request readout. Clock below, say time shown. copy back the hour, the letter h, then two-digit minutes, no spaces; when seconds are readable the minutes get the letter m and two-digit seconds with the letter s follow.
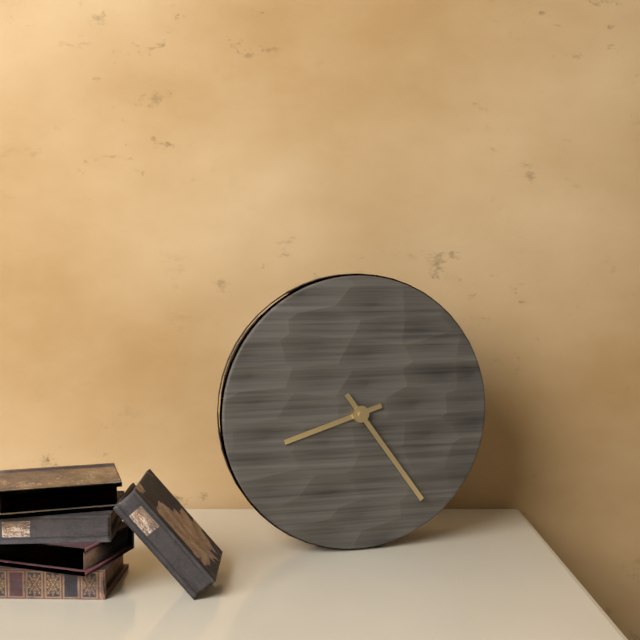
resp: 8h24
